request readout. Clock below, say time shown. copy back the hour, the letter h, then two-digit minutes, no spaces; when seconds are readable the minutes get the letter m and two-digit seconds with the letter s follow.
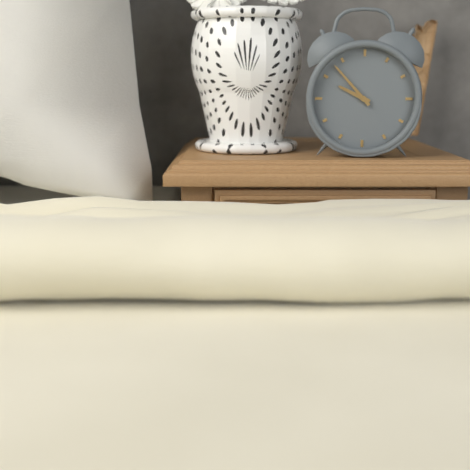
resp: 9h53
